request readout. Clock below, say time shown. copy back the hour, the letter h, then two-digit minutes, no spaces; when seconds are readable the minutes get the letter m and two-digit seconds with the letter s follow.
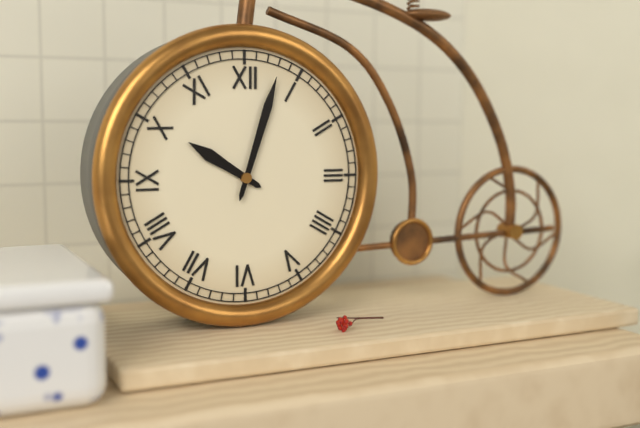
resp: 10h03
